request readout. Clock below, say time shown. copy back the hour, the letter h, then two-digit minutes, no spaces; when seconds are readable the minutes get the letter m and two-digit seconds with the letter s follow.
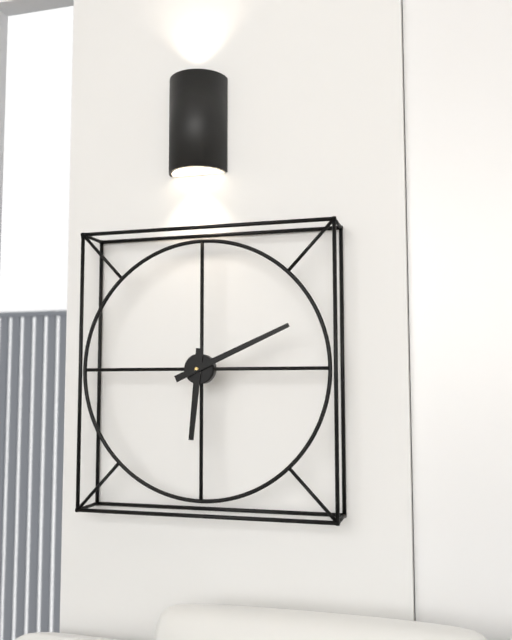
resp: 6h11
